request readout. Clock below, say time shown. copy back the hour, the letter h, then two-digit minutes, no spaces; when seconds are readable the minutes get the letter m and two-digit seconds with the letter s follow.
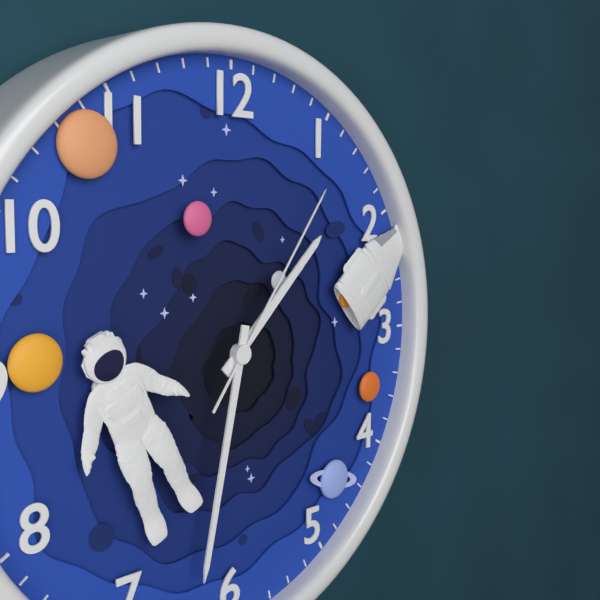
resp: 1h32m06s
